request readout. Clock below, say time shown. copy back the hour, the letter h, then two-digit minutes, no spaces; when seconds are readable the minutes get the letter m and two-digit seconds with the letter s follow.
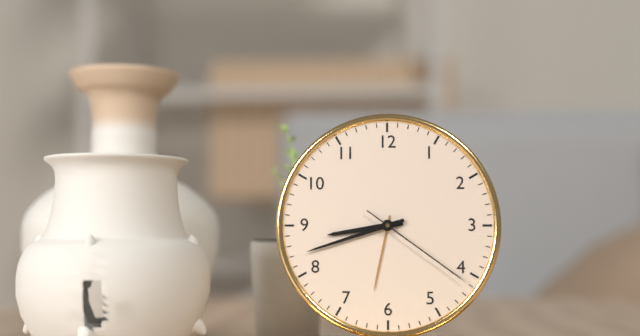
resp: 8h42m21s
